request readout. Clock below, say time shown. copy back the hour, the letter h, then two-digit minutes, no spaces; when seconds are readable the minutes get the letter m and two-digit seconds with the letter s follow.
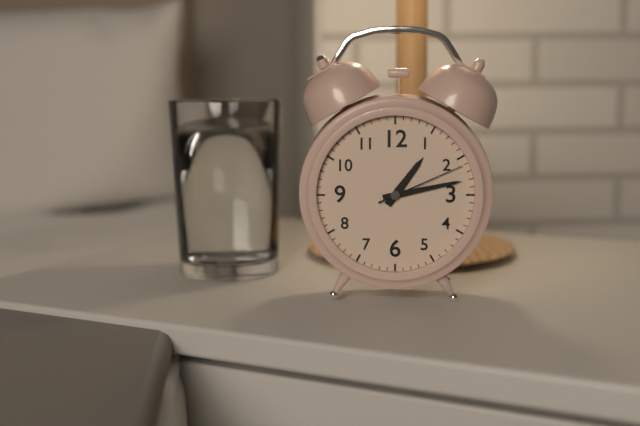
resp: 1h13m11s
